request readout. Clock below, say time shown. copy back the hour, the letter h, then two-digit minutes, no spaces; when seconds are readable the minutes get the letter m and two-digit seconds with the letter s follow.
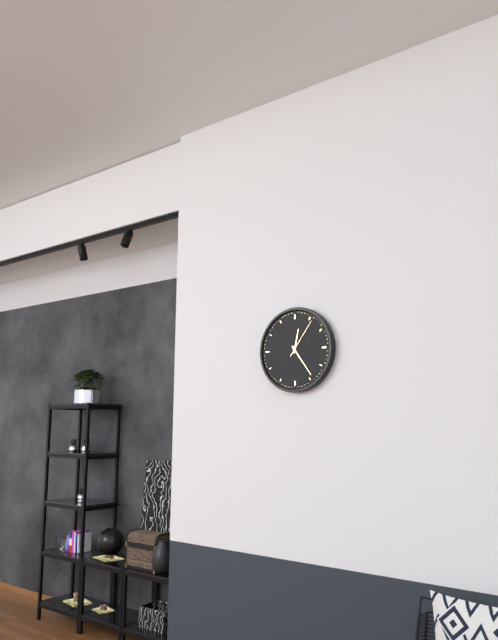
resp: 12h24
